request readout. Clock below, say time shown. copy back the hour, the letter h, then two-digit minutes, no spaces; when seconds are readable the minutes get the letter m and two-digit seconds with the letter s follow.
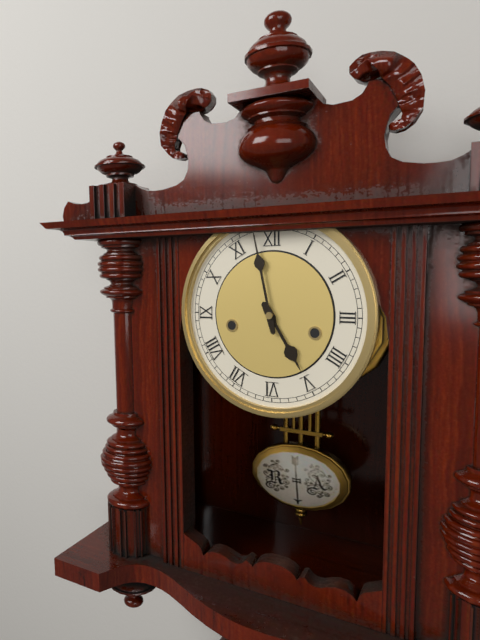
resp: 4h58
